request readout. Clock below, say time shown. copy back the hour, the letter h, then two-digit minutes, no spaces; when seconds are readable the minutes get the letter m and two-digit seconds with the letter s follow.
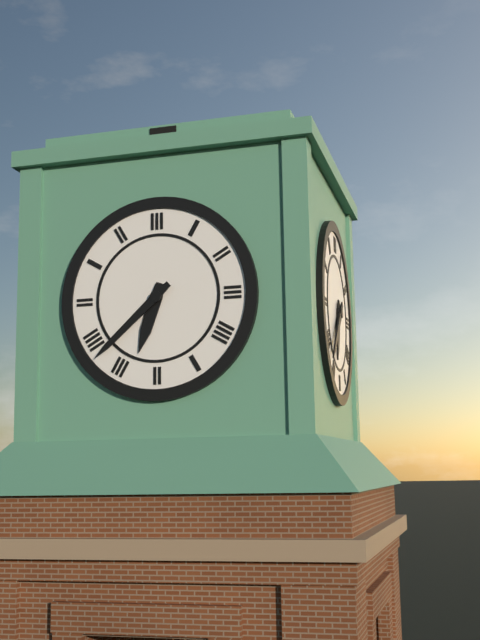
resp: 6h38
